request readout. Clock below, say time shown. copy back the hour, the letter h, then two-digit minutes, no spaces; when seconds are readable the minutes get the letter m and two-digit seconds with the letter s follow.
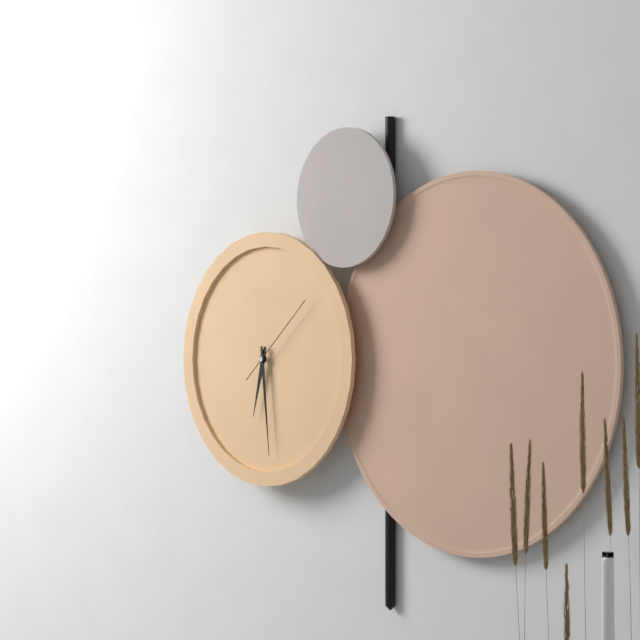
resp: 6h29m08s
